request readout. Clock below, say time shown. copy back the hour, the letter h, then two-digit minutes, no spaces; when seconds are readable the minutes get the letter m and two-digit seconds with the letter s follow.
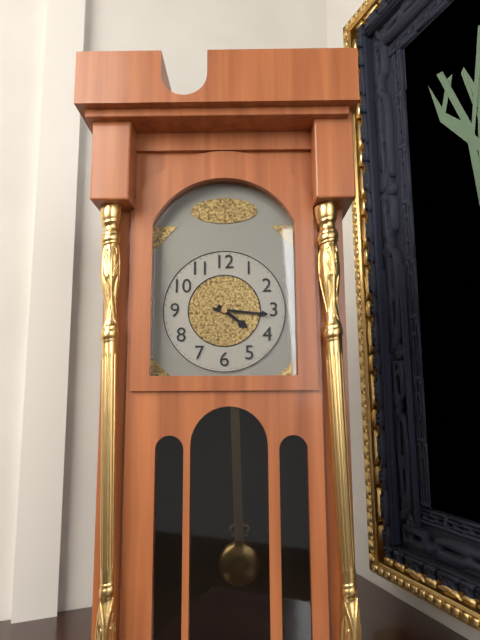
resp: 4h16
